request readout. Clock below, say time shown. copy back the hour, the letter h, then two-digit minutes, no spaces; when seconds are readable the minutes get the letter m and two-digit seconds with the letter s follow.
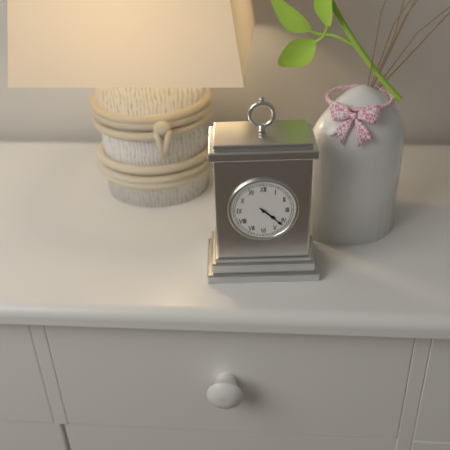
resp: 4h22
